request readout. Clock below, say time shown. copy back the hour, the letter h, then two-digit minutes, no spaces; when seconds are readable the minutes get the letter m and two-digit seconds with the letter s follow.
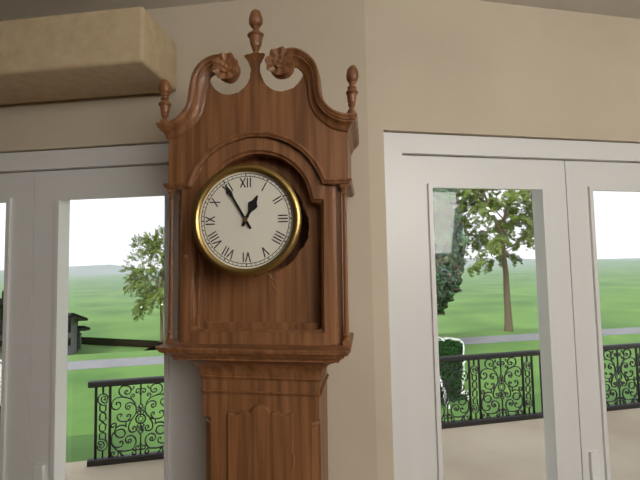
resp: 12h55
